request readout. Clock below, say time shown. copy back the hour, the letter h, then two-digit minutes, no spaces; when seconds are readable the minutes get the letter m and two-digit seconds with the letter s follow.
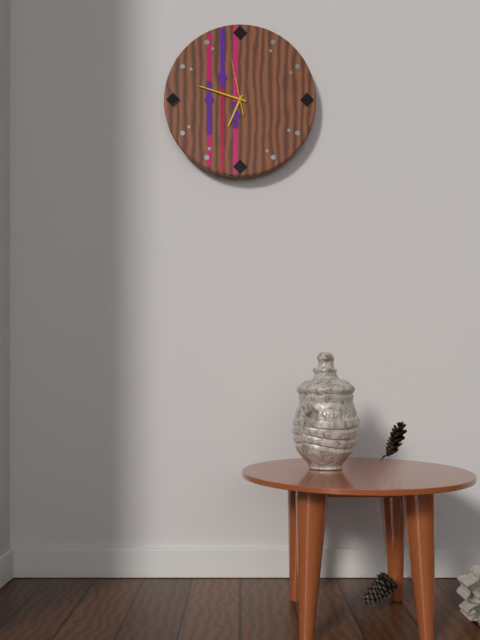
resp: 6h48m58s
